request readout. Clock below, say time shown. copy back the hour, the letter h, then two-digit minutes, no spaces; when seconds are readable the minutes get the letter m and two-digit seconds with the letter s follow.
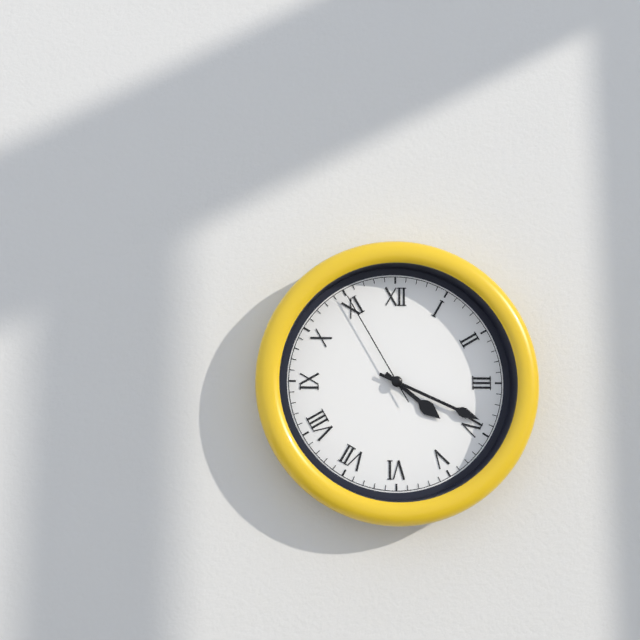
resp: 4h19m55s
